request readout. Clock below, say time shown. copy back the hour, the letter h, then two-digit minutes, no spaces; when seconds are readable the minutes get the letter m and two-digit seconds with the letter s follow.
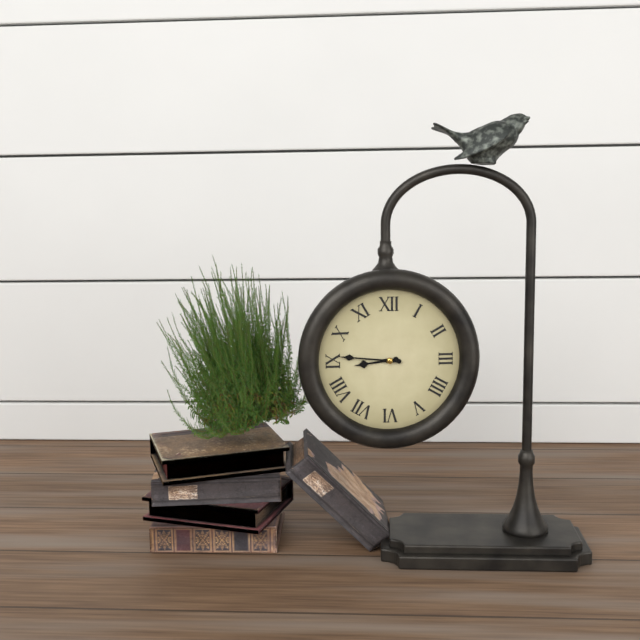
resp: 8h46
